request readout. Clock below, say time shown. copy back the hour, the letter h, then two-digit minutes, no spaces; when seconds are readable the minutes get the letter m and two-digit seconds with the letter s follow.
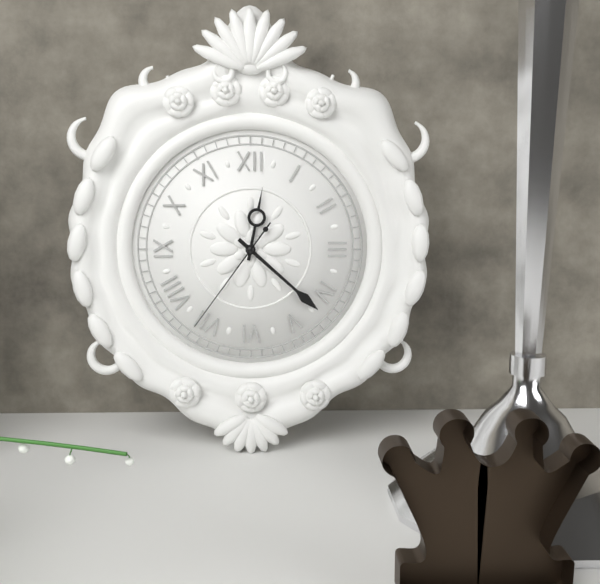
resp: 12h22m36s
